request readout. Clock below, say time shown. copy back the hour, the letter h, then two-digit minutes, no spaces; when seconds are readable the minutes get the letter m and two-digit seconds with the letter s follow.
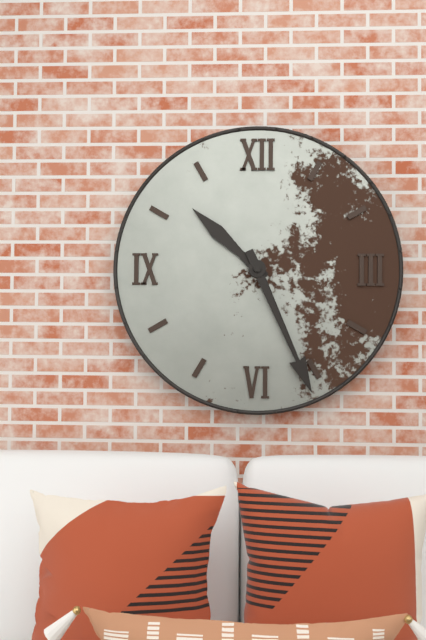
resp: 10h26
